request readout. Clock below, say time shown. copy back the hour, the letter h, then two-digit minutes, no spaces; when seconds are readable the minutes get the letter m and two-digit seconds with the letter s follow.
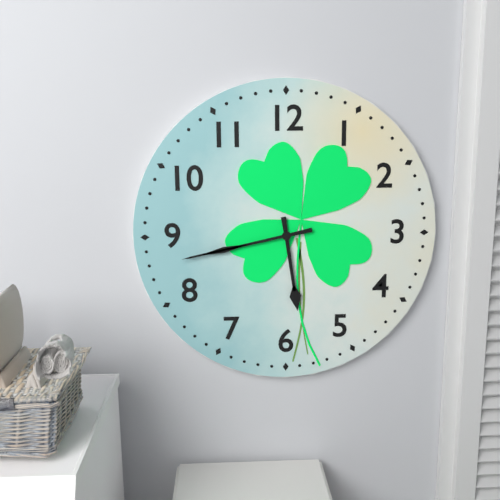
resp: 5h43
